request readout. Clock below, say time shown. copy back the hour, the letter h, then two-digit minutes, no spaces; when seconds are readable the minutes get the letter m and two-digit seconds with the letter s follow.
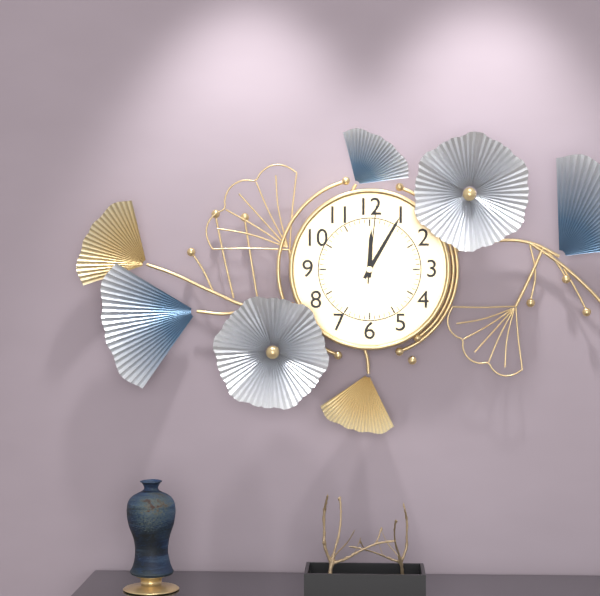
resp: 12h05m01s
